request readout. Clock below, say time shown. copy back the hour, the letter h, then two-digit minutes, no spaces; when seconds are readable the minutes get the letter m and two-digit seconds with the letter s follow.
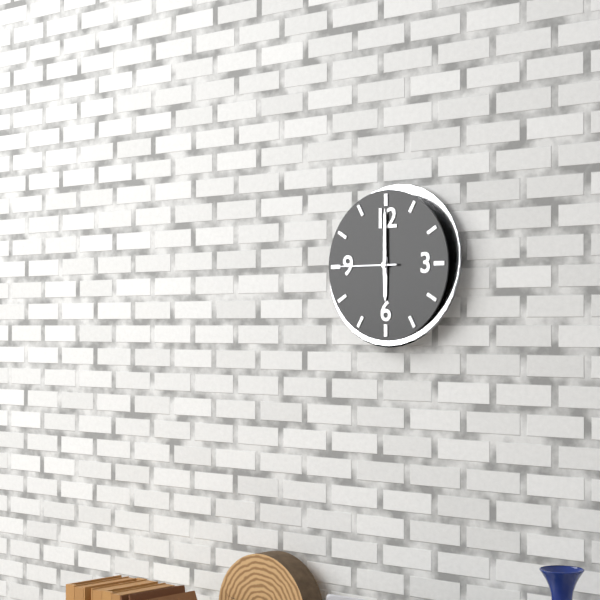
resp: 6h00m45s
